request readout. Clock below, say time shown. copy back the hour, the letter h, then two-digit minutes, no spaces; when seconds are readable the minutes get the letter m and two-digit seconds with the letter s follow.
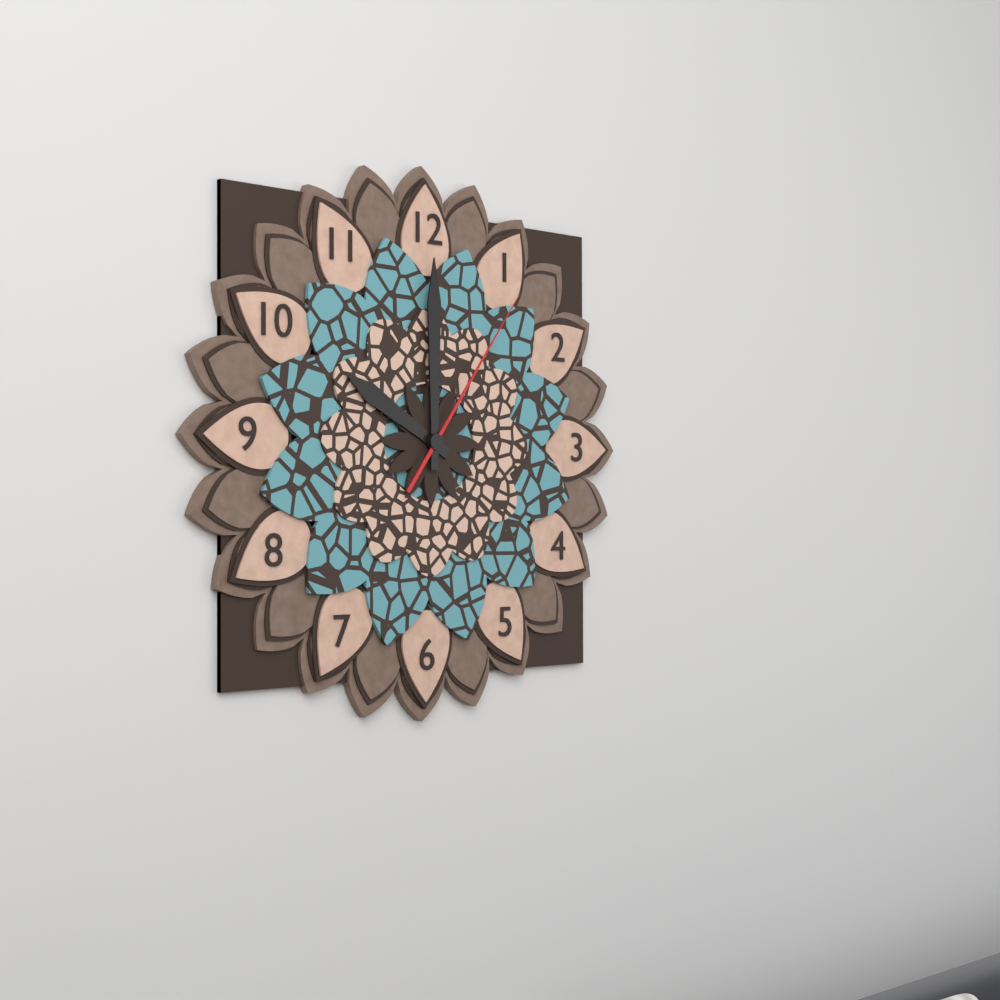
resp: 10h00m06s
